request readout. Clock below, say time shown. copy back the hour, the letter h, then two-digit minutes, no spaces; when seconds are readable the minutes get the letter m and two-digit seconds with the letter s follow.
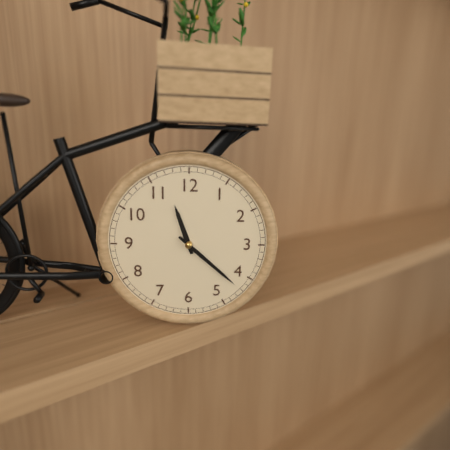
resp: 11h22
